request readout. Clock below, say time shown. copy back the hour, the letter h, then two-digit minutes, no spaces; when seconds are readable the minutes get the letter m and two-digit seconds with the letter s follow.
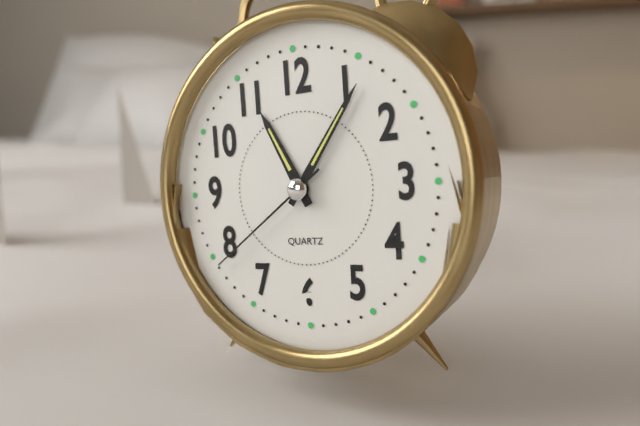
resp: 11h06m39s
